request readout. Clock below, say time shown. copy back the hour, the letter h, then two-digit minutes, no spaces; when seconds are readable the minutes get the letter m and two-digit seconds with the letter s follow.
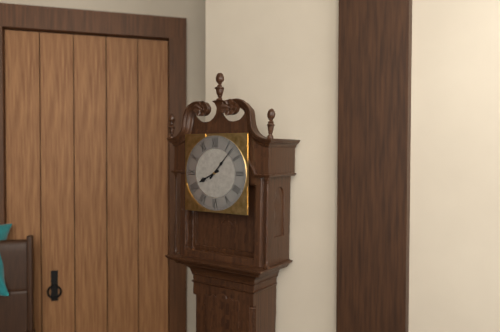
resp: 8h07
